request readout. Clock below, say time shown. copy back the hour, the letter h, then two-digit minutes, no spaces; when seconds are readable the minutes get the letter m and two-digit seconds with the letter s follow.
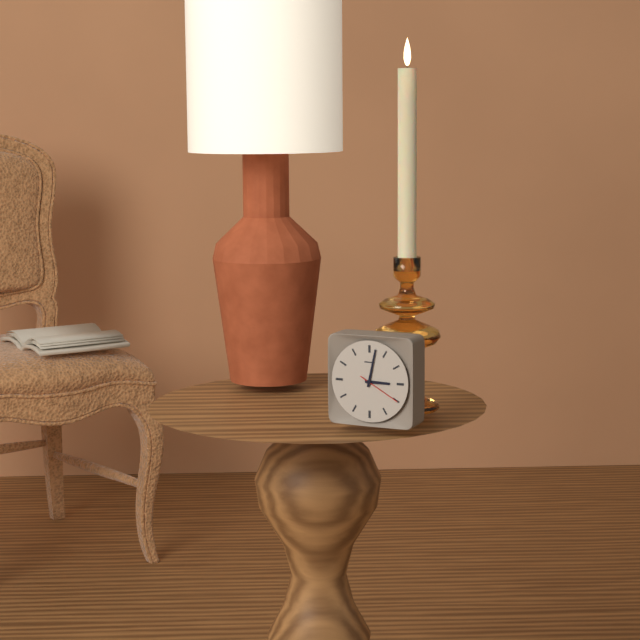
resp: 3h02
